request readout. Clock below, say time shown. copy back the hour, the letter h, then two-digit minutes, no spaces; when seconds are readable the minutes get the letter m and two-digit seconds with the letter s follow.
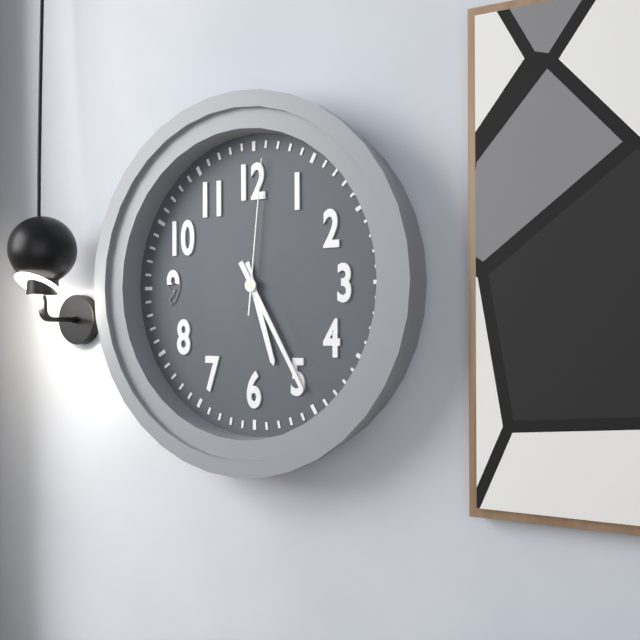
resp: 5h25m01s
